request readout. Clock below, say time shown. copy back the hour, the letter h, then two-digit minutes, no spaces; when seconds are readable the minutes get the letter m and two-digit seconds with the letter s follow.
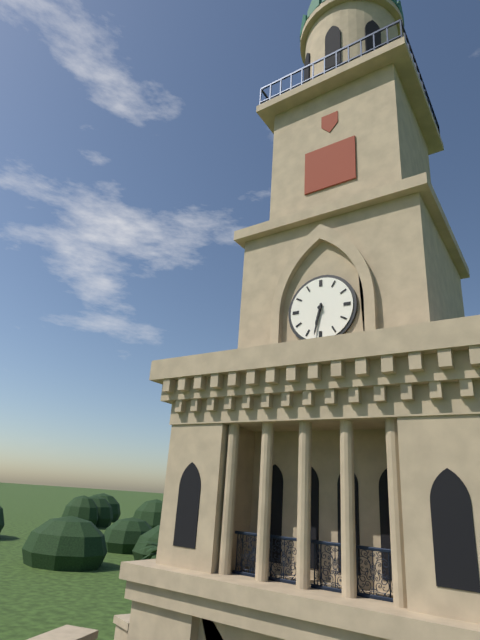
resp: 6h32
